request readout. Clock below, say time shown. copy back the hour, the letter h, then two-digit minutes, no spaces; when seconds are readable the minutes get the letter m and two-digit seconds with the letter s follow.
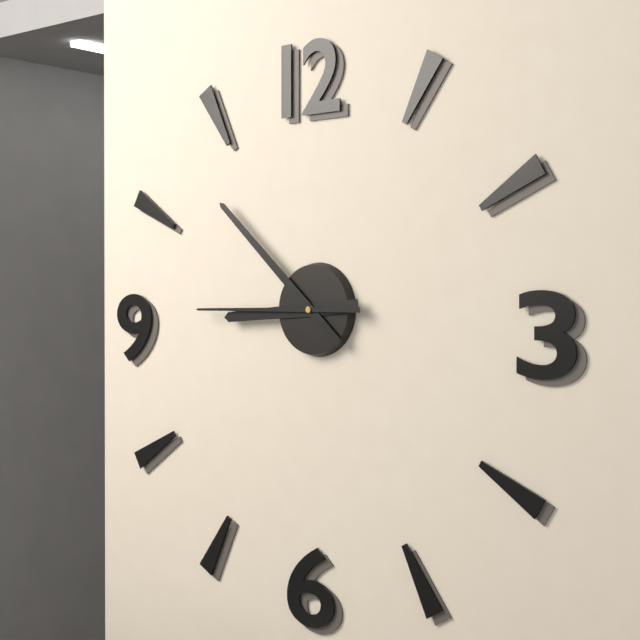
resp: 8h52m45s
